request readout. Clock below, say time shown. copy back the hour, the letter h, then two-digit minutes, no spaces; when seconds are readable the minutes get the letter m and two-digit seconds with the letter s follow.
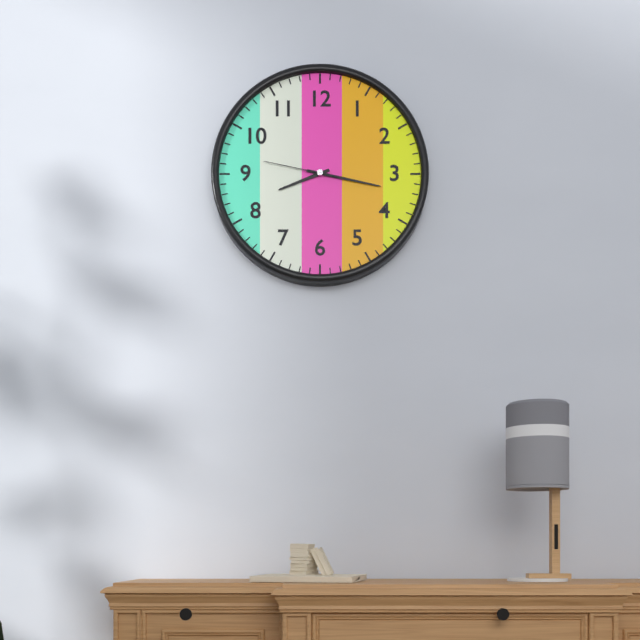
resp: 8h17m47s
